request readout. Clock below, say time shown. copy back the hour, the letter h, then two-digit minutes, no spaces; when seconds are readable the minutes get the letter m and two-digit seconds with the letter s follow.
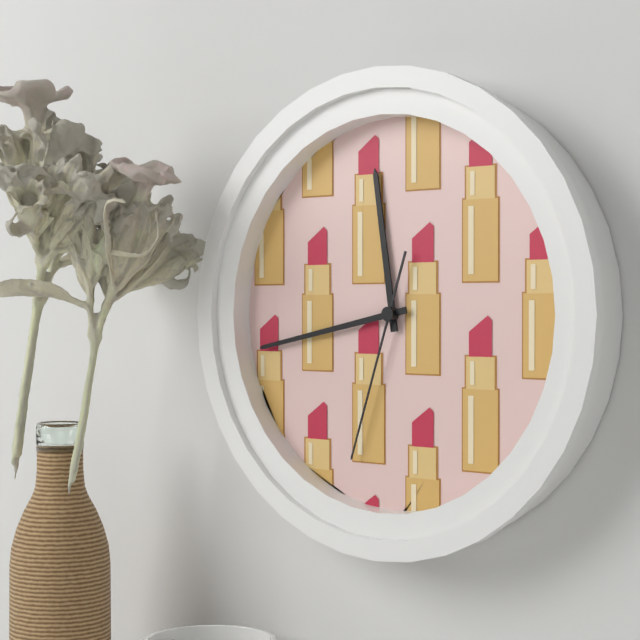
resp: 11h43m33s
